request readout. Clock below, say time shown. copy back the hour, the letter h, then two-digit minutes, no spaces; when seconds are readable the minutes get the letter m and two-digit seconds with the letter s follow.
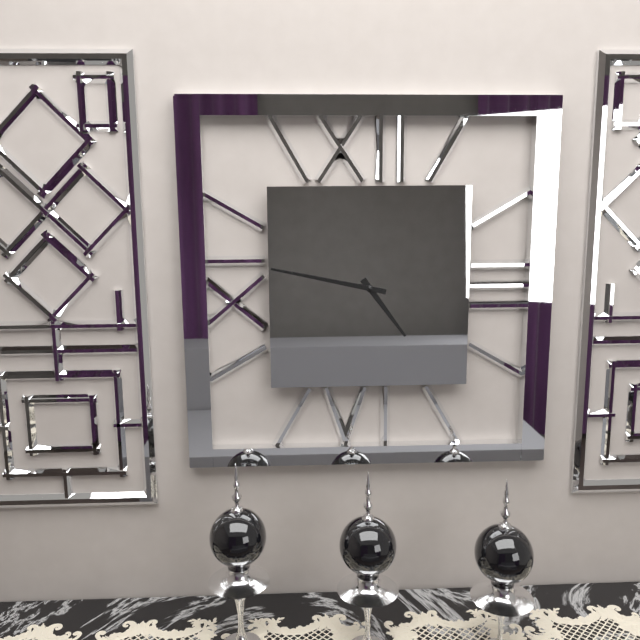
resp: 4h47
